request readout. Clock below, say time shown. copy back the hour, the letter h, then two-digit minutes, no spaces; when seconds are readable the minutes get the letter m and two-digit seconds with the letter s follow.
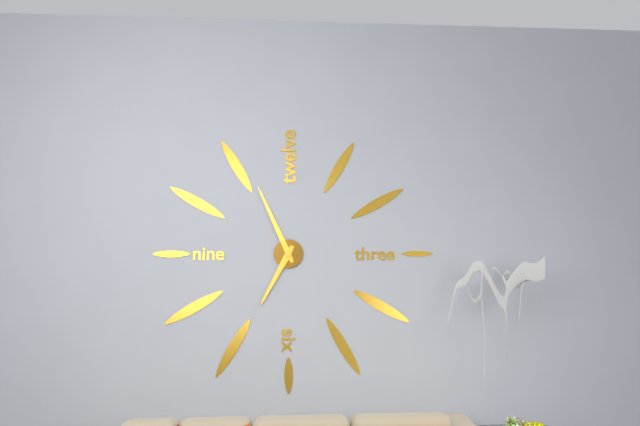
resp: 6h56
